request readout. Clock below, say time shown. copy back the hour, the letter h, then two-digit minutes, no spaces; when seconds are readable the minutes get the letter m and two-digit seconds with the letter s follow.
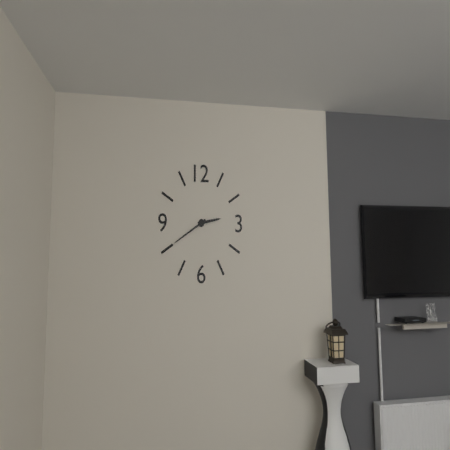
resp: 2h40
